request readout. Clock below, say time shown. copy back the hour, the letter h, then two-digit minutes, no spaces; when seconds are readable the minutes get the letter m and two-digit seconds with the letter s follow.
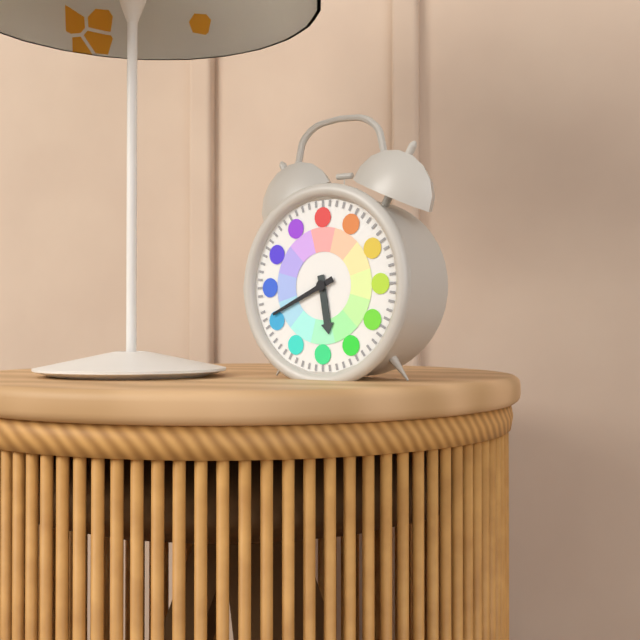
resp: 5h41
